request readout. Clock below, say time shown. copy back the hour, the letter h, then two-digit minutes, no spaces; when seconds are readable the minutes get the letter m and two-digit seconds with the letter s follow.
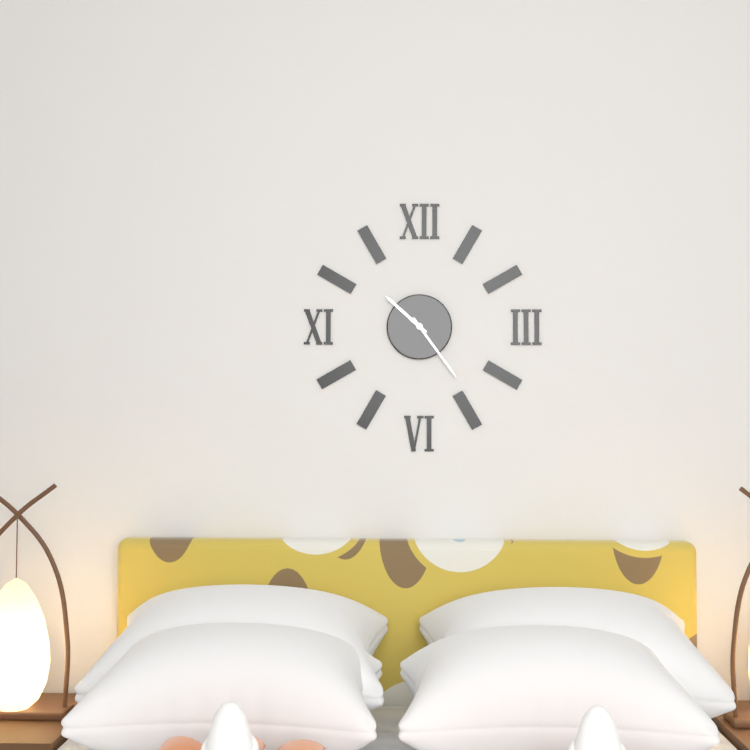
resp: 10h24
